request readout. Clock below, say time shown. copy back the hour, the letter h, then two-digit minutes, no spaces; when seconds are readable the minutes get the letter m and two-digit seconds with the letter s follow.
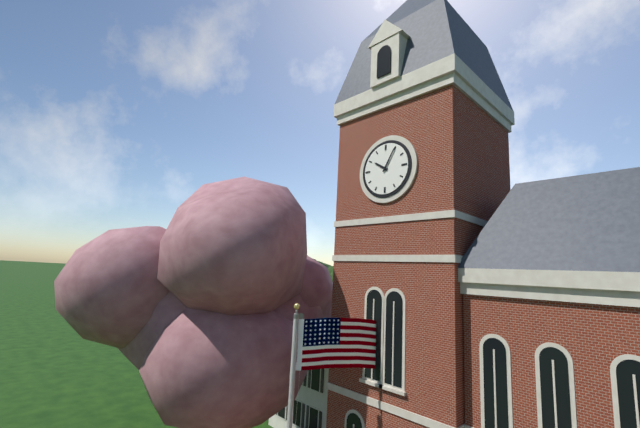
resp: 10h05
